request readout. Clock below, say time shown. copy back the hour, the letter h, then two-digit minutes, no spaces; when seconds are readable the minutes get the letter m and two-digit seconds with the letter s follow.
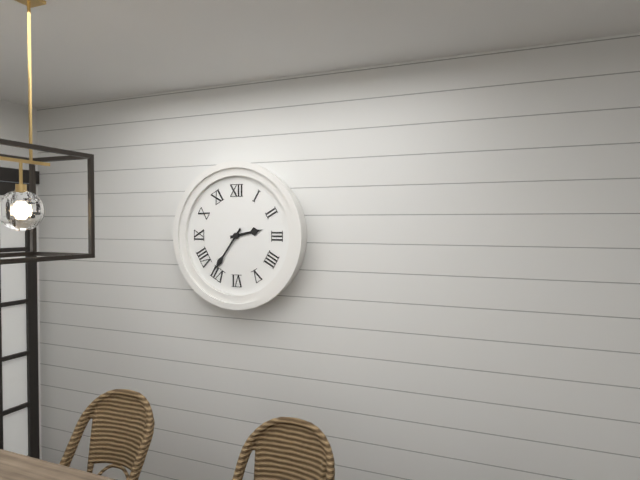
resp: 2h36
